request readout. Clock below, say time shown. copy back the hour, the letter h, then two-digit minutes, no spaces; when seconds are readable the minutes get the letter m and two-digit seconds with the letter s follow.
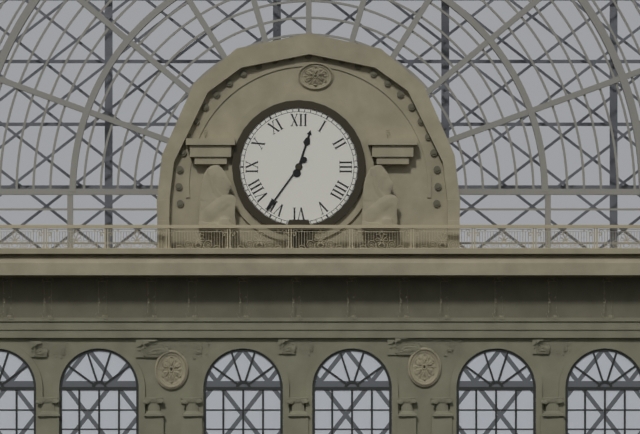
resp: 12h36
